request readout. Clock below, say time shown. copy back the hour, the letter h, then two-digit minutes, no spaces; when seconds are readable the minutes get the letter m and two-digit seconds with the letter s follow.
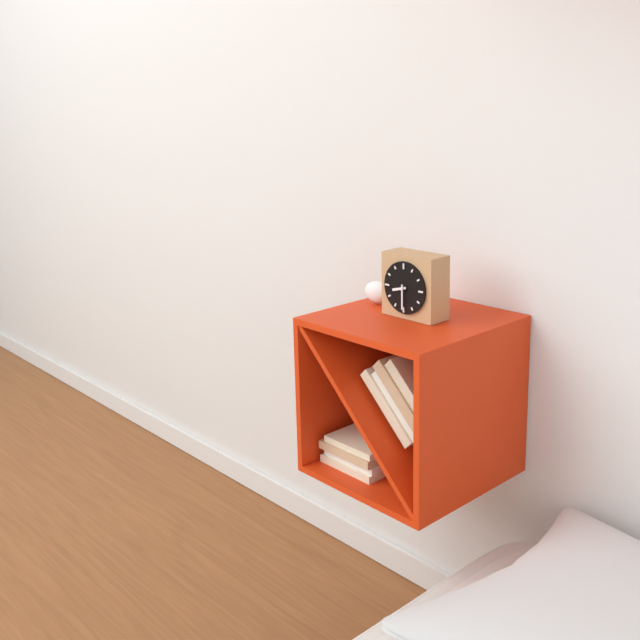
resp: 8h30
